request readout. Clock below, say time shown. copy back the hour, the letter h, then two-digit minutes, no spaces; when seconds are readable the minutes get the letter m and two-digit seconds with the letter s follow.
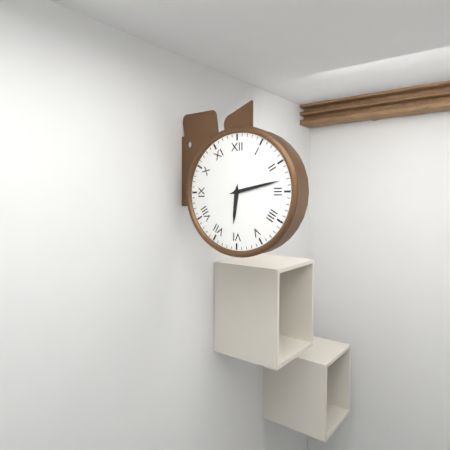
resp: 6h13
